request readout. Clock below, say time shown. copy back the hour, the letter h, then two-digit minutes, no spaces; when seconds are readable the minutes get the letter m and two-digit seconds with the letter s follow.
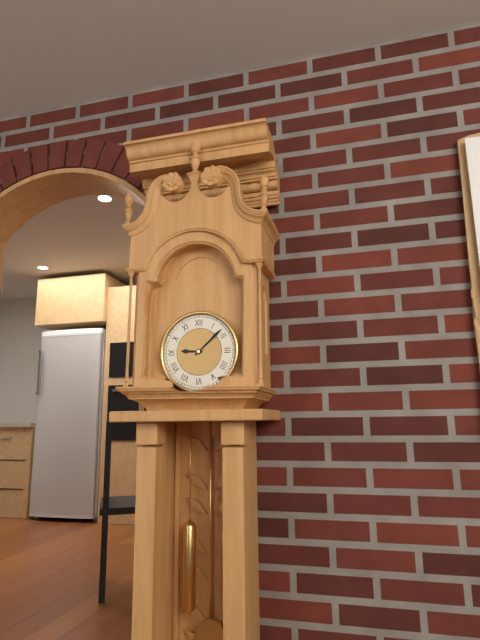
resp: 9h08
